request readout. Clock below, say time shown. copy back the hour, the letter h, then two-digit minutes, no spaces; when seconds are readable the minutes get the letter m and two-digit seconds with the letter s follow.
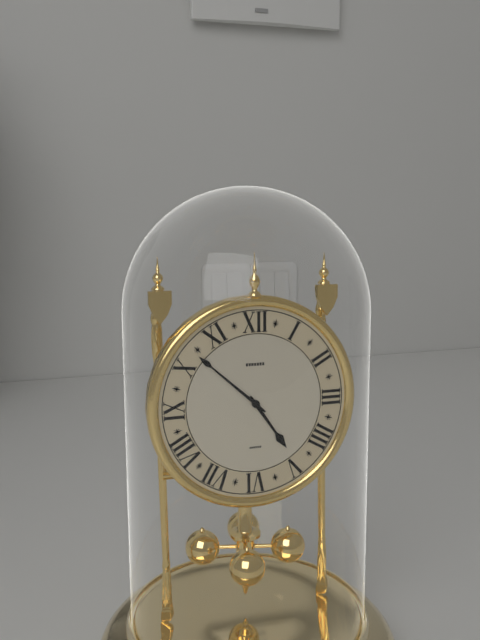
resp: 4h52
